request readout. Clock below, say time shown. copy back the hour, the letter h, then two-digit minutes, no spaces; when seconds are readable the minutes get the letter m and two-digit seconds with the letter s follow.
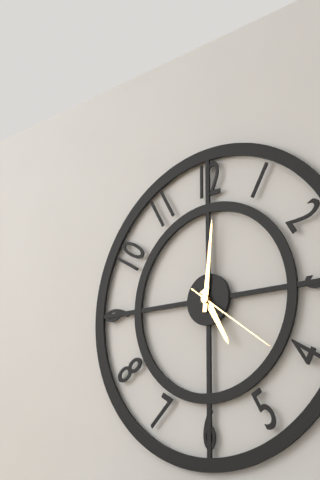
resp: 5h01m21s
